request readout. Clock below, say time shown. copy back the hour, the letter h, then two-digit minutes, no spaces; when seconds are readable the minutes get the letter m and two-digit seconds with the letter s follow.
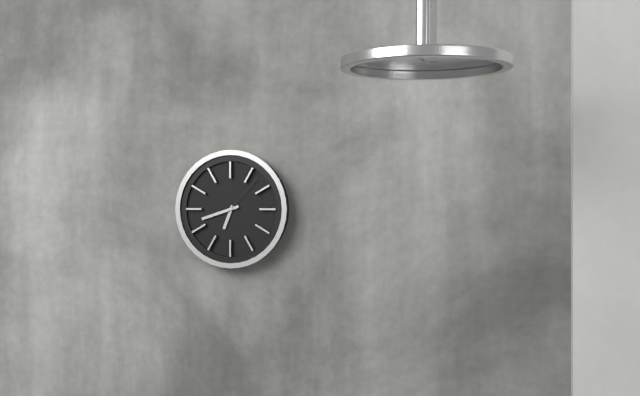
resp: 6h42m07s
